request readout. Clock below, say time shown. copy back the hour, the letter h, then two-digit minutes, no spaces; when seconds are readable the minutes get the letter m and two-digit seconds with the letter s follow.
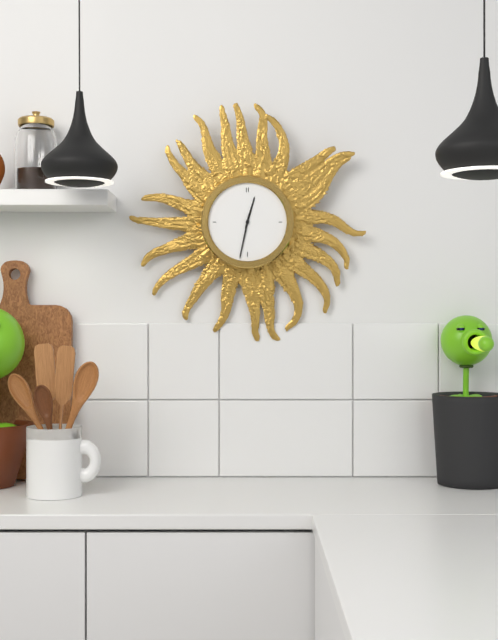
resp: 12h32
